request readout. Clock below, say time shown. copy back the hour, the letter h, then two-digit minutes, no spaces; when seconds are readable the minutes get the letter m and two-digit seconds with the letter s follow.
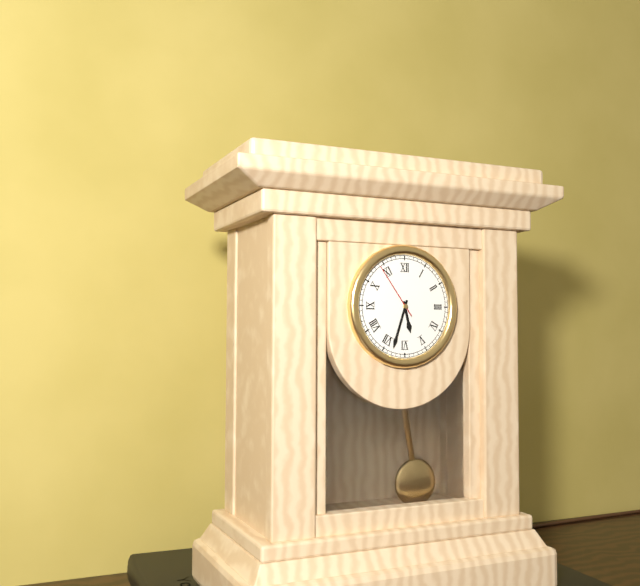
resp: 5h33m54s
